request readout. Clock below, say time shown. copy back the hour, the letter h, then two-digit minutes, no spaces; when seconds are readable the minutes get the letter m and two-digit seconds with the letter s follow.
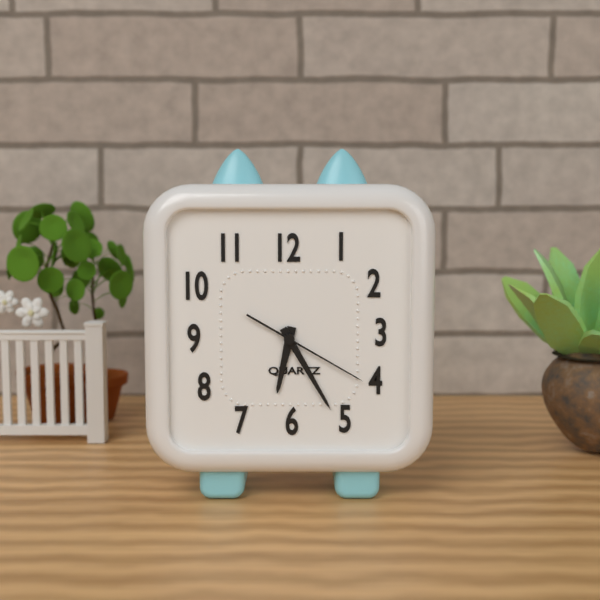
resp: 6h25m20s
